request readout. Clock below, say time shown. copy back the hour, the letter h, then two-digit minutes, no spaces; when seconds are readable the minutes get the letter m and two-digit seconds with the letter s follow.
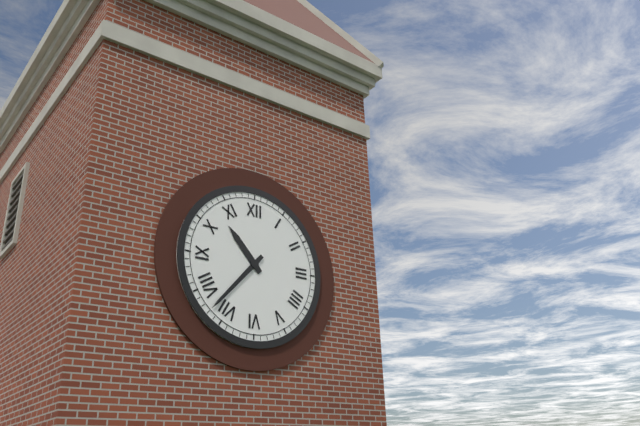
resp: 10h37
